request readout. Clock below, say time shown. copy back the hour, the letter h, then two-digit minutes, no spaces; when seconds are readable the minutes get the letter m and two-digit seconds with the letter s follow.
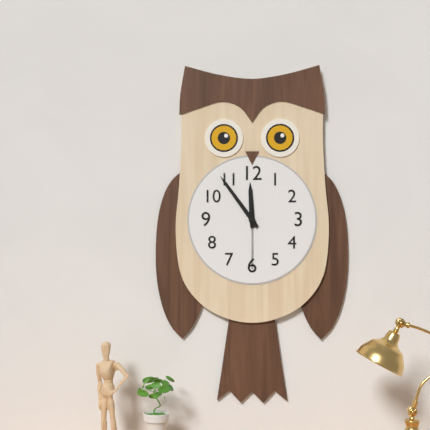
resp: 11h54m30s
